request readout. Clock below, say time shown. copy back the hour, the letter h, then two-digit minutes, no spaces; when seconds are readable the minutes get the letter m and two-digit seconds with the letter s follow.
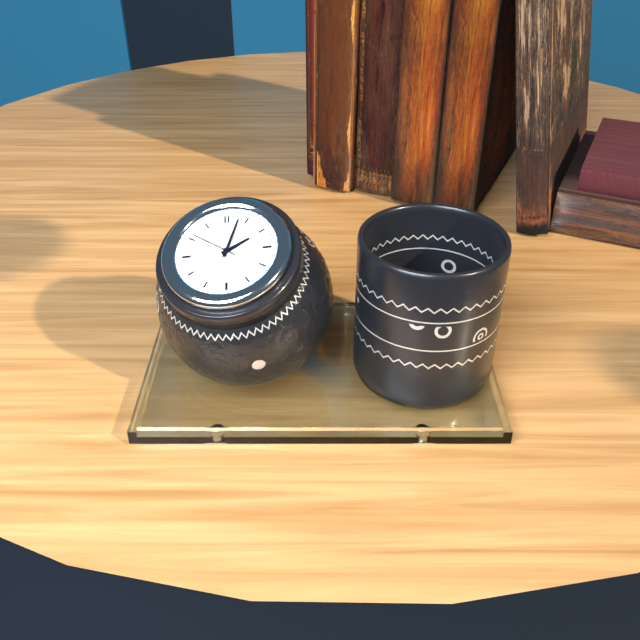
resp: 2h03
